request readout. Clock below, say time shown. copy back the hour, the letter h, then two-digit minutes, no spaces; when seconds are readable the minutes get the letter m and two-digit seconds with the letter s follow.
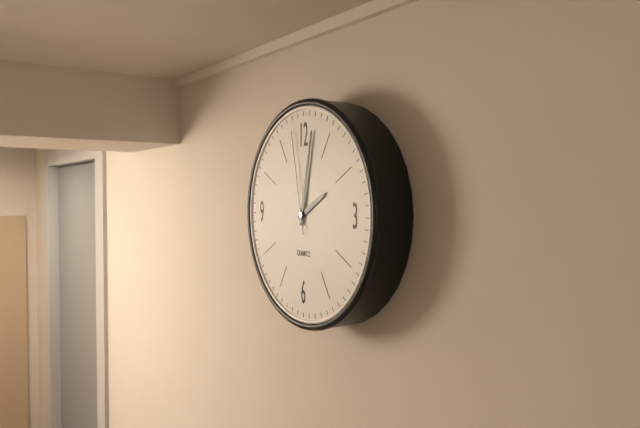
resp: 2h02m58s
